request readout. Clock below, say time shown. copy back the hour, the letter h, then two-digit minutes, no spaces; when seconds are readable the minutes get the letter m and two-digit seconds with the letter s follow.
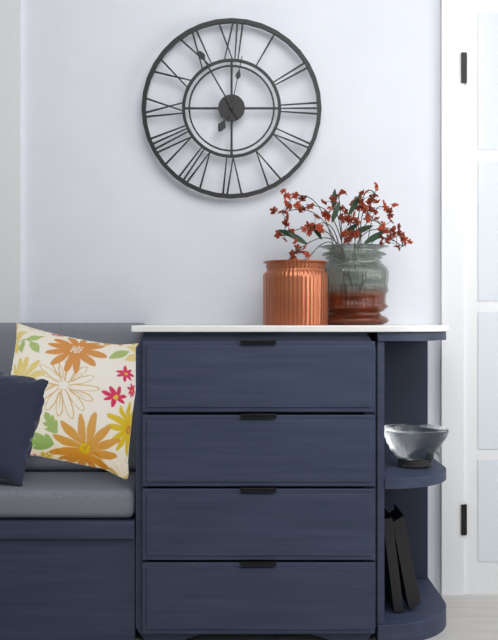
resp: 6h55m02s
